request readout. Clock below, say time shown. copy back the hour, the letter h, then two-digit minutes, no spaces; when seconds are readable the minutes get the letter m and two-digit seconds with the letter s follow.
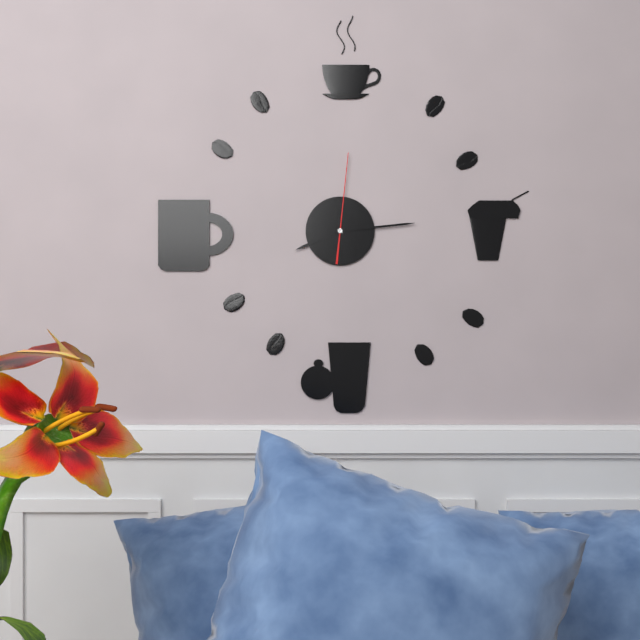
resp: 8h14m01s
